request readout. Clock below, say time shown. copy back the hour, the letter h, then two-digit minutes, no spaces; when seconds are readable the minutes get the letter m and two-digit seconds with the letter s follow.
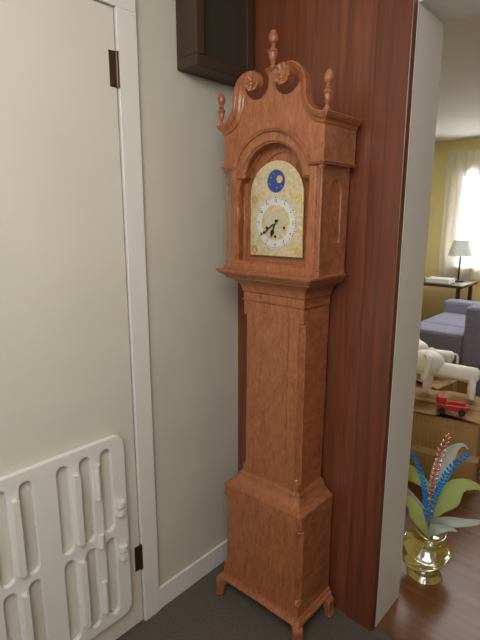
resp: 6h39
